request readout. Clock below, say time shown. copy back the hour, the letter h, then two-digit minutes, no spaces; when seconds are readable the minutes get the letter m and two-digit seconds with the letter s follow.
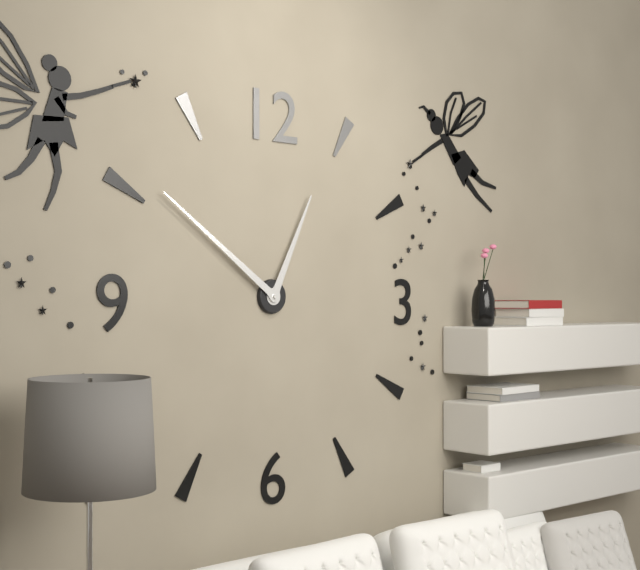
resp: 12h51
